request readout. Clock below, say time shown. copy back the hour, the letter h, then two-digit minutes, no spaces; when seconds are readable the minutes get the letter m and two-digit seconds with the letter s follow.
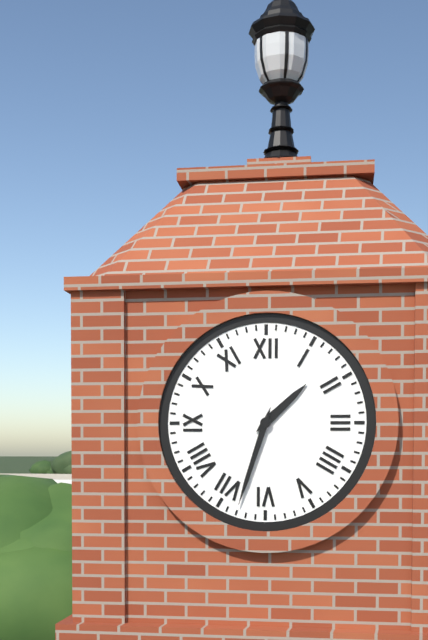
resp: 1h33
